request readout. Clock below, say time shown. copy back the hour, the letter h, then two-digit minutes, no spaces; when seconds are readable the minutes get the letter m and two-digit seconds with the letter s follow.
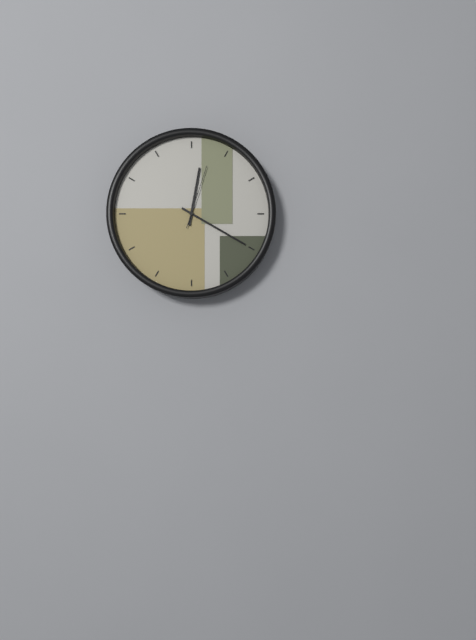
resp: 12h20m03s
